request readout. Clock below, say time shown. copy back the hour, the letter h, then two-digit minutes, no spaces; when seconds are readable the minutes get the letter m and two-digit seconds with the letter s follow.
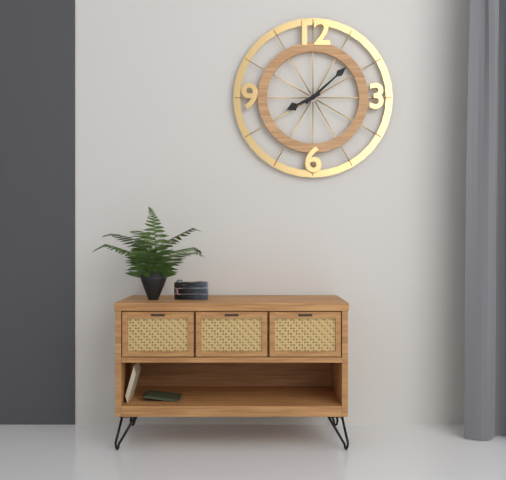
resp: 8h08
